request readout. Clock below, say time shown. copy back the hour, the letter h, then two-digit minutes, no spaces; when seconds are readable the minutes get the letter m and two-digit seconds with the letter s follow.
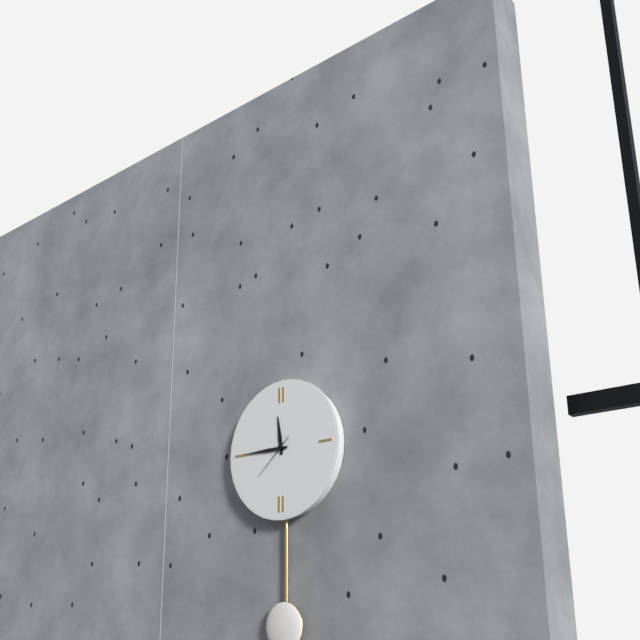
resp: 11h45
